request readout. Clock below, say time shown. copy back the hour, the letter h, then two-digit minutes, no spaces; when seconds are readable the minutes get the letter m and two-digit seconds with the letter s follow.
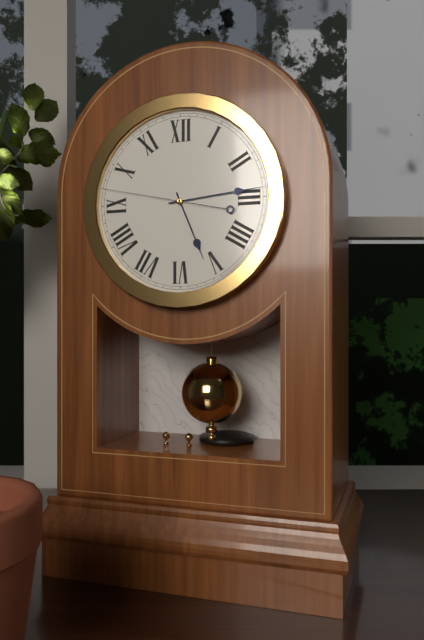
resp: 5h14m47s
